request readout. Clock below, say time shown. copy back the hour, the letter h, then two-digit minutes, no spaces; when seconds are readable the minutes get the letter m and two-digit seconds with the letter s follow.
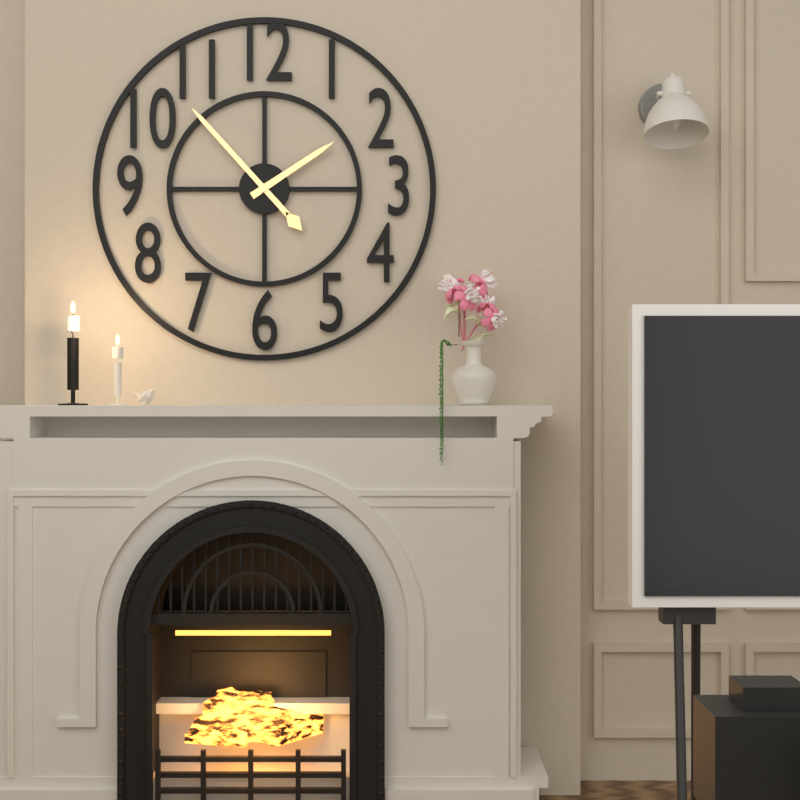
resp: 1h53
